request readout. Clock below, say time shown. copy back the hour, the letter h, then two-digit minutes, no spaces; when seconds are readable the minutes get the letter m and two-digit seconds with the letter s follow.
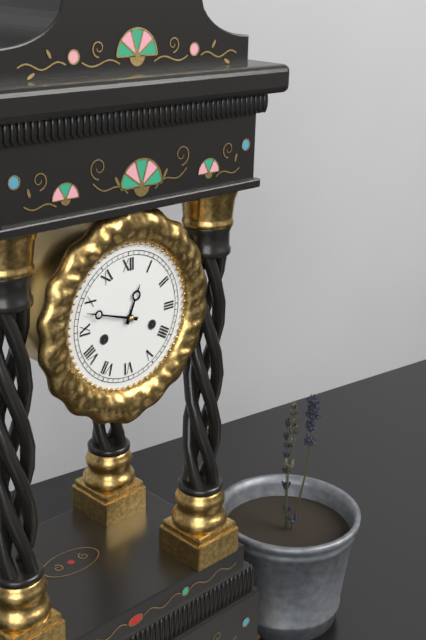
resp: 12h48
